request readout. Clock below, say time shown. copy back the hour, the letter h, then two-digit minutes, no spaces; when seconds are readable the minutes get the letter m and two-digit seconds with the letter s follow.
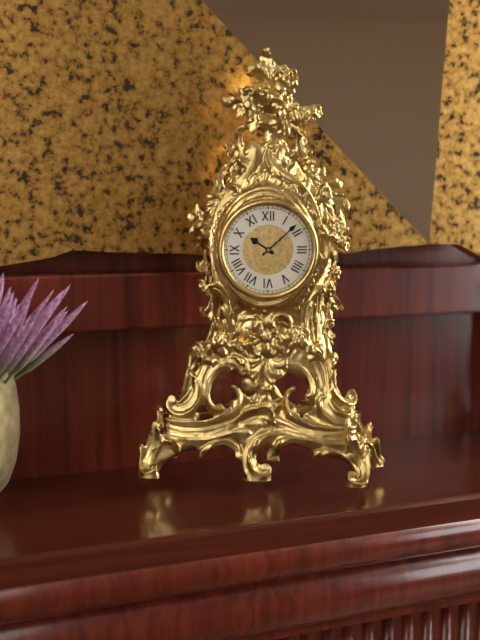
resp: 10h08
